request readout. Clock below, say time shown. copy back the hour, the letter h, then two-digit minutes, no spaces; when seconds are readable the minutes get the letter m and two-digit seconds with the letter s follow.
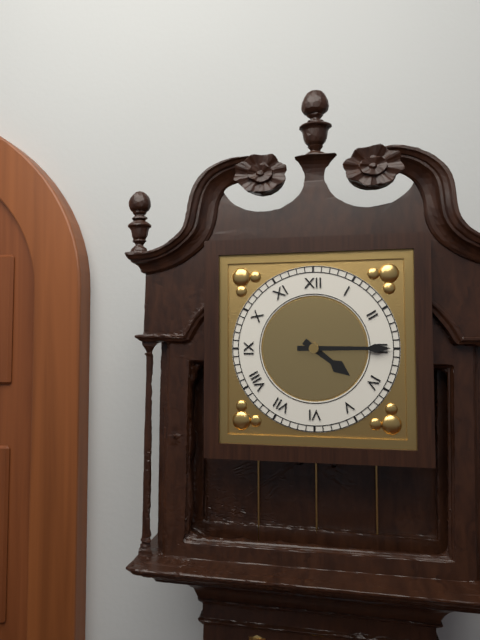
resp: 4h15
